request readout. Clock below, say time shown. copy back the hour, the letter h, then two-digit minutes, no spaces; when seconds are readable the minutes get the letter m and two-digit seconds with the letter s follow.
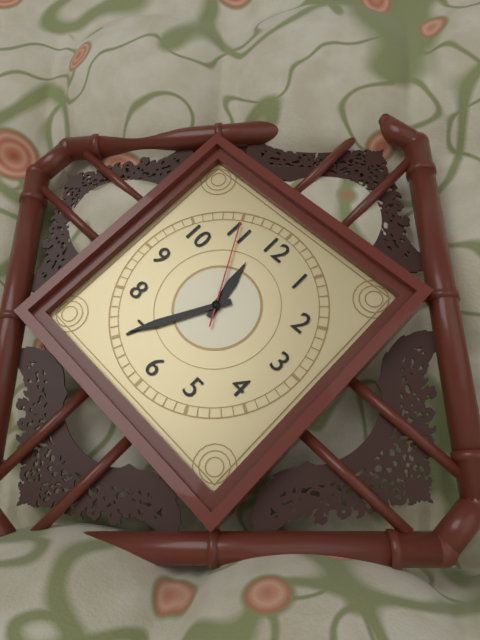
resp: 11h35m55s
